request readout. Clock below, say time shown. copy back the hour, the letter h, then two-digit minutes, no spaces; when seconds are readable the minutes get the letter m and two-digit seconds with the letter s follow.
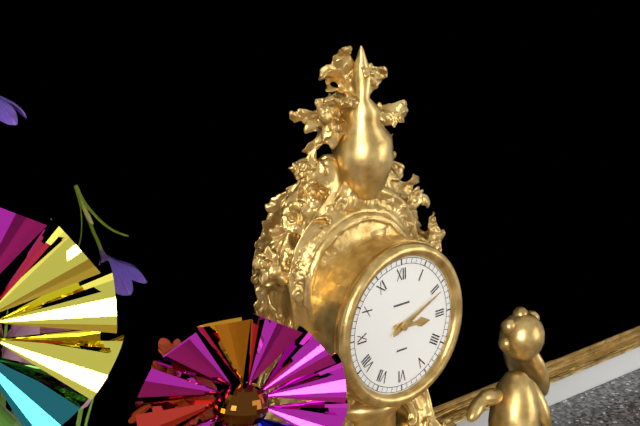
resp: 3h11
